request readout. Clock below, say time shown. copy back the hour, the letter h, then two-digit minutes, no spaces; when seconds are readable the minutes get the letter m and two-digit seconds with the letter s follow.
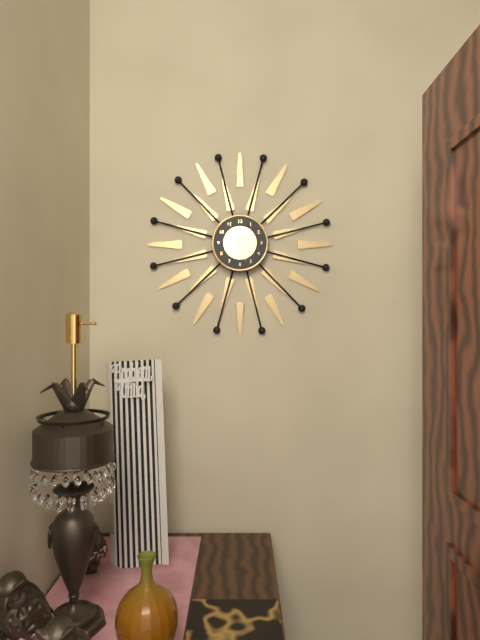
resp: 2h27
